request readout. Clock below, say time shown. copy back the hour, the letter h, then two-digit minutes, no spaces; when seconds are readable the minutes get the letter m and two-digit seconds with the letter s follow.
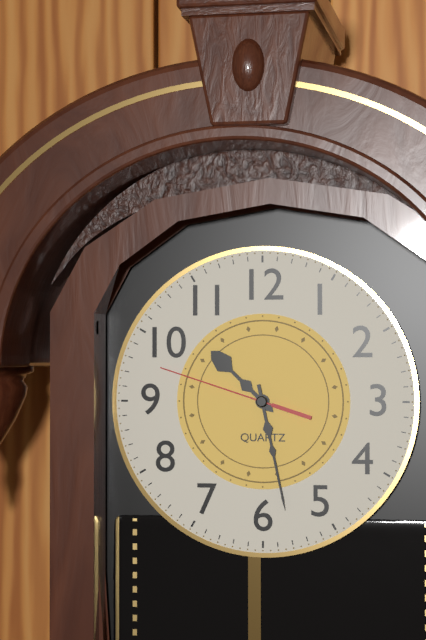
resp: 10h28m48s
